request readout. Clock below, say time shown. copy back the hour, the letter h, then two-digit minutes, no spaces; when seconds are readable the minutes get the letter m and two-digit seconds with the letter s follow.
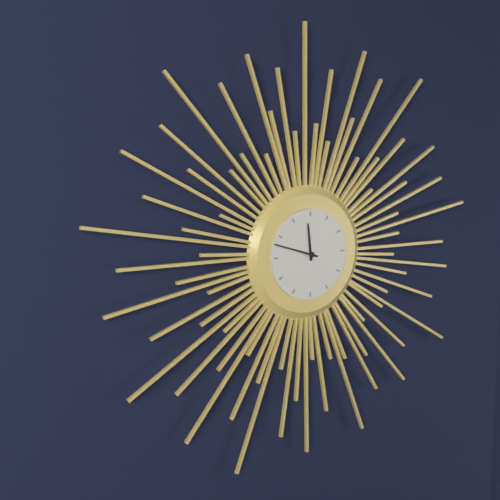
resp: 11h48
